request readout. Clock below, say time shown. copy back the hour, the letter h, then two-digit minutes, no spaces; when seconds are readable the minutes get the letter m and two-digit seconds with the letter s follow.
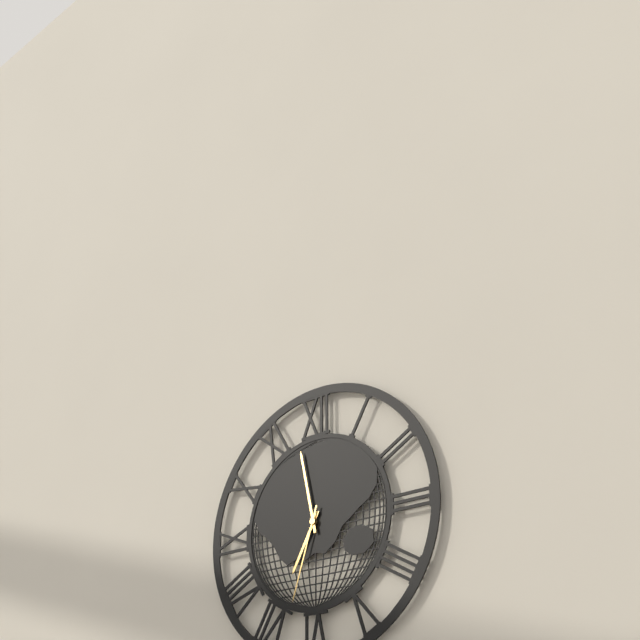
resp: 6h58m33s
